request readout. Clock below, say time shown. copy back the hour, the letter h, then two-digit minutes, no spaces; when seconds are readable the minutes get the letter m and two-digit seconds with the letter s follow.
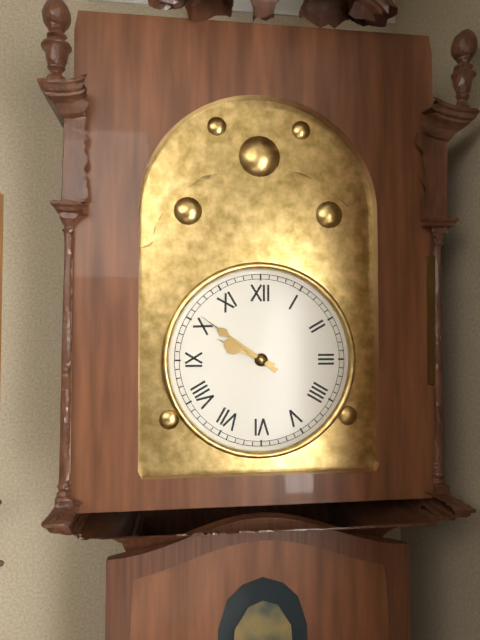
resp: 9h51
